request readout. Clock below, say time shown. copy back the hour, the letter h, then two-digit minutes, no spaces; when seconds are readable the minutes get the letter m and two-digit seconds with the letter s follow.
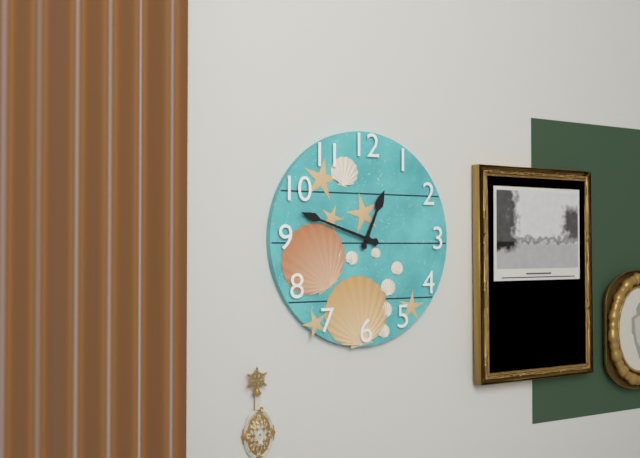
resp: 12h48
